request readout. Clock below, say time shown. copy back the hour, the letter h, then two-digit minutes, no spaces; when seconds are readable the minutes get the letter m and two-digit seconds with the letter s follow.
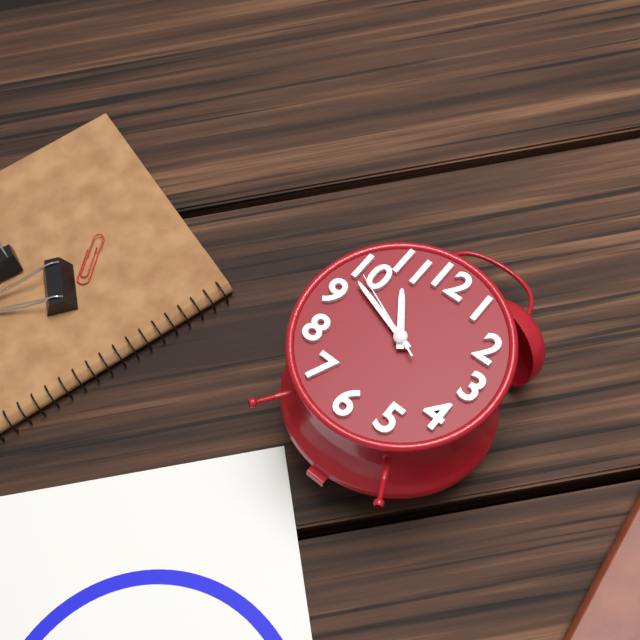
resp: 10h48m49s
